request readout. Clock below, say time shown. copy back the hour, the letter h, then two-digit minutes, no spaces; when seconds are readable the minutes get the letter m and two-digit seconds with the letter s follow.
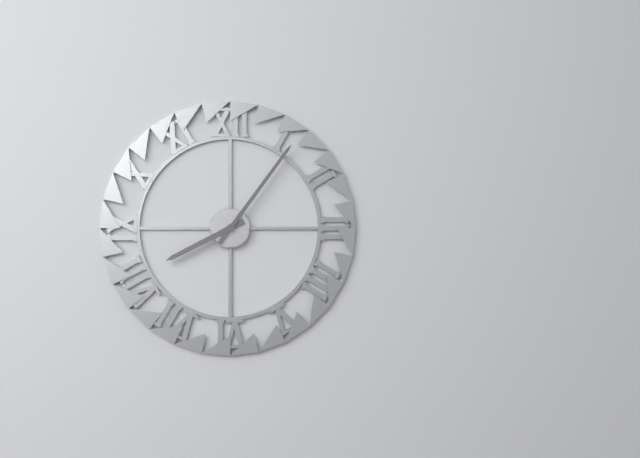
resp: 8h06
